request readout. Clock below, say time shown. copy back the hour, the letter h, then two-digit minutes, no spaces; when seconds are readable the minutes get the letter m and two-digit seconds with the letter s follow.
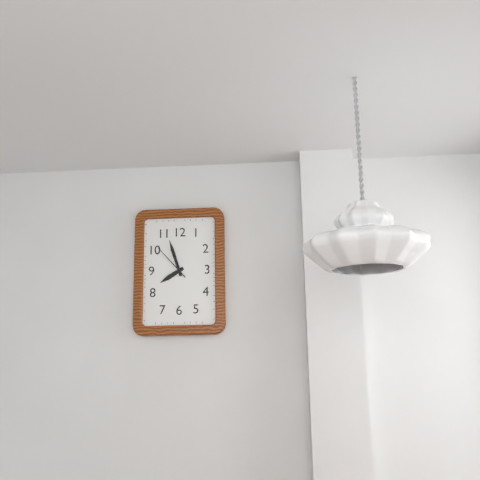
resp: 7h57
